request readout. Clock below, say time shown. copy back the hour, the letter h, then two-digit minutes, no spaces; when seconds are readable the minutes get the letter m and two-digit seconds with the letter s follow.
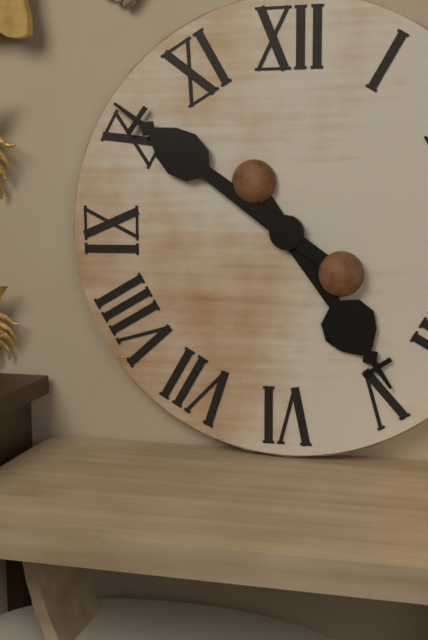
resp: 4h51
